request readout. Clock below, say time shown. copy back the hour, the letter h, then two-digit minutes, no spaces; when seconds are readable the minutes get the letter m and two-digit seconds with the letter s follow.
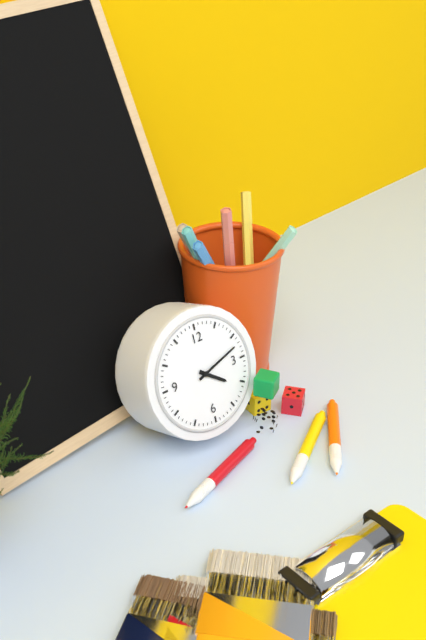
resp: 4h12
